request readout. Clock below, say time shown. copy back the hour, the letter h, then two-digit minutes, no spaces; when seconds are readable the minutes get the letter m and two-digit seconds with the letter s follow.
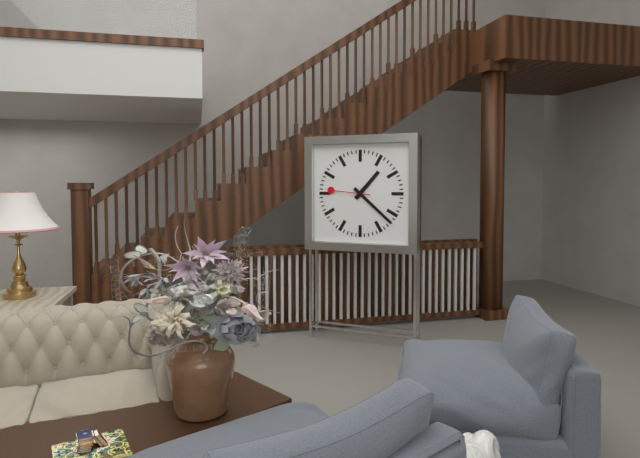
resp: 1h22
